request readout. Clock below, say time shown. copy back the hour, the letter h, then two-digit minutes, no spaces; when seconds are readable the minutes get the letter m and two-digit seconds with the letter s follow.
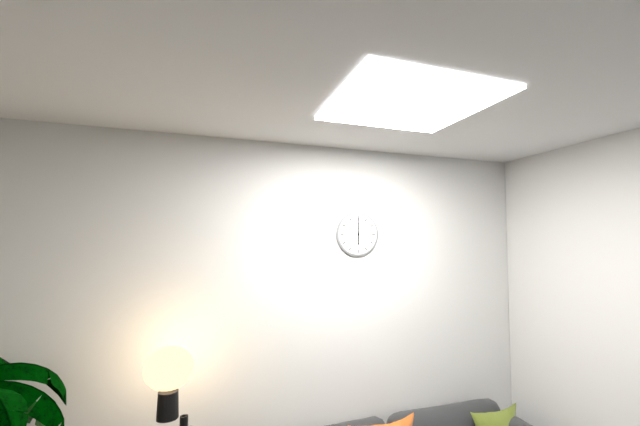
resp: 6h00
